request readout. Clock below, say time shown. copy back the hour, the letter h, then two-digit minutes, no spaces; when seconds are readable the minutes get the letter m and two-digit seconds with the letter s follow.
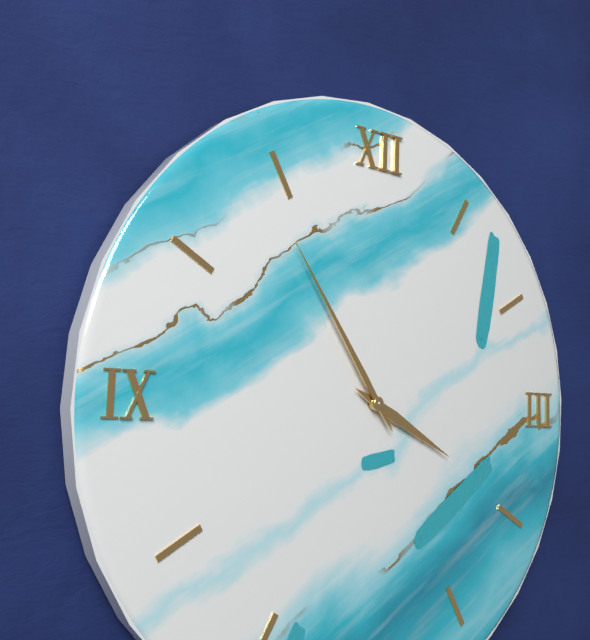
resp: 3h54
